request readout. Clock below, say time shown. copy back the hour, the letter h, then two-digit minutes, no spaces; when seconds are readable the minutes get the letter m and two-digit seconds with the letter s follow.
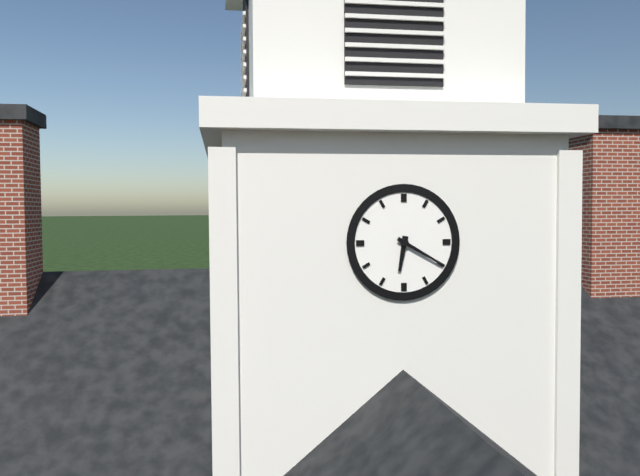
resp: 6h20
